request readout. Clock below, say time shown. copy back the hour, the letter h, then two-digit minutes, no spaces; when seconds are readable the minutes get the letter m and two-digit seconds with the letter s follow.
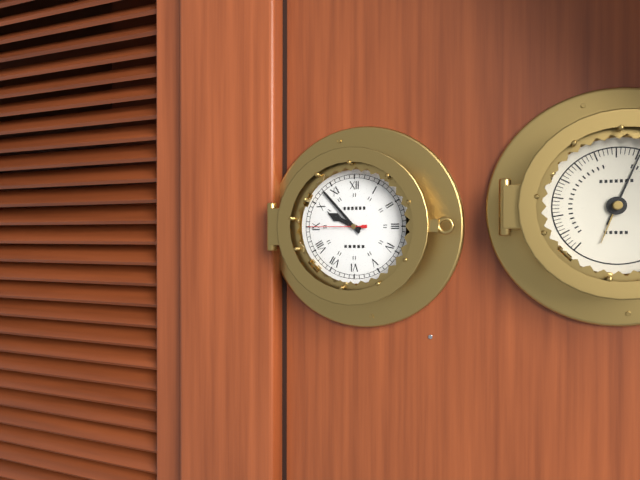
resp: 9h53m45s
